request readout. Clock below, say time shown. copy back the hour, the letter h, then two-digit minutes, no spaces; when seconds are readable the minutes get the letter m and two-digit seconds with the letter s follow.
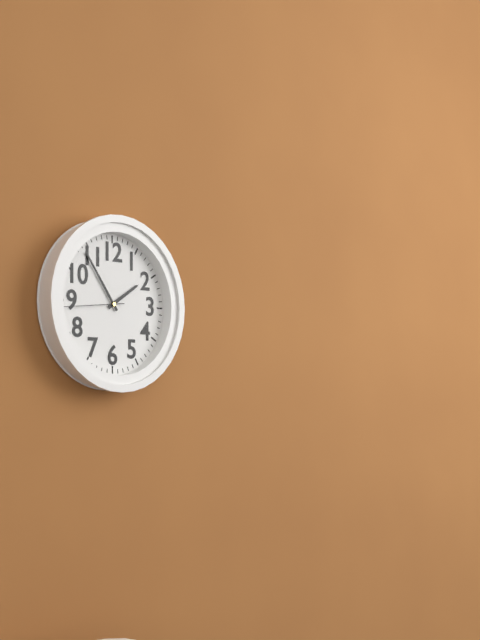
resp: 1h54m44s
